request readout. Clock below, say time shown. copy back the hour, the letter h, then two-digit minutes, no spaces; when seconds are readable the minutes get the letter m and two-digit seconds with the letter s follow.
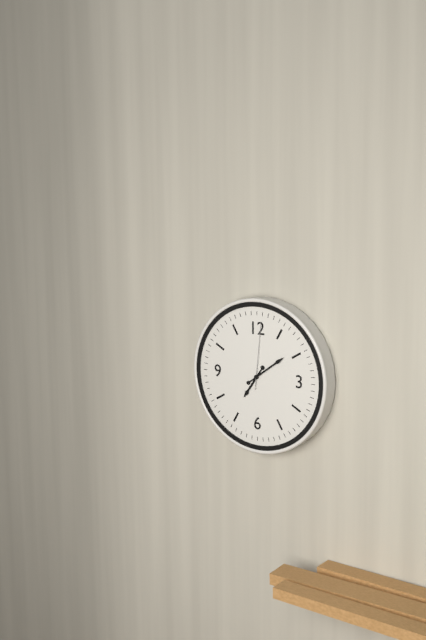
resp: 7h09m01s
